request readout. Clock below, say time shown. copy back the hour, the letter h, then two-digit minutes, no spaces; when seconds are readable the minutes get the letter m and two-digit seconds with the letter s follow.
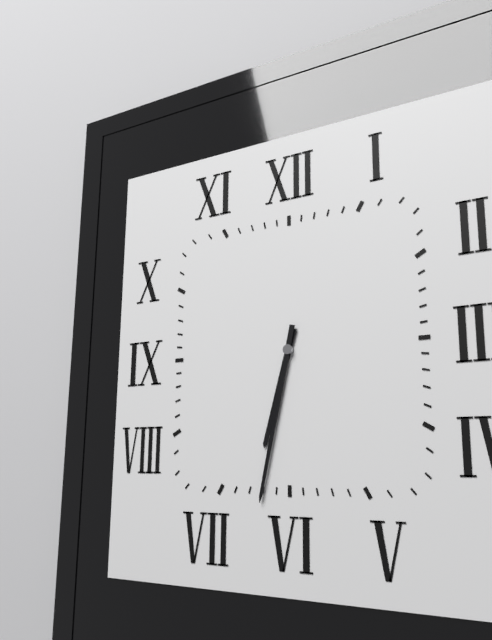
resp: 6h32
